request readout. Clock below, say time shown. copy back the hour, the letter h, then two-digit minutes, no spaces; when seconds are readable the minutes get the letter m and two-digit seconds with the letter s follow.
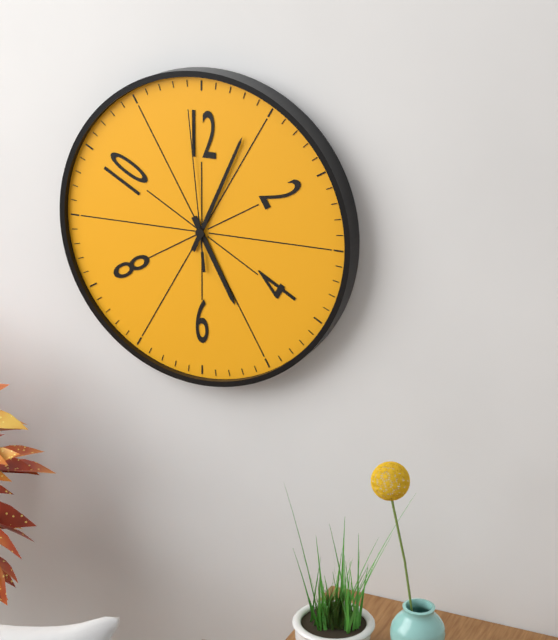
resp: 5h04m59s
